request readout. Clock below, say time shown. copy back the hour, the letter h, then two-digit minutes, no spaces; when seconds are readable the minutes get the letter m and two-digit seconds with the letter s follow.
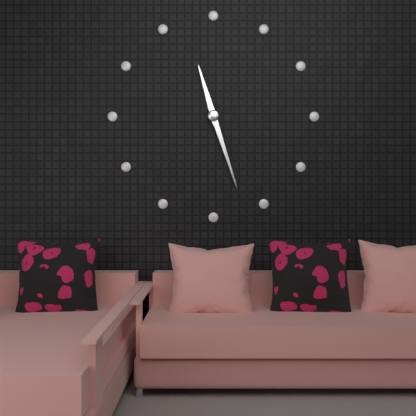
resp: 11h27
